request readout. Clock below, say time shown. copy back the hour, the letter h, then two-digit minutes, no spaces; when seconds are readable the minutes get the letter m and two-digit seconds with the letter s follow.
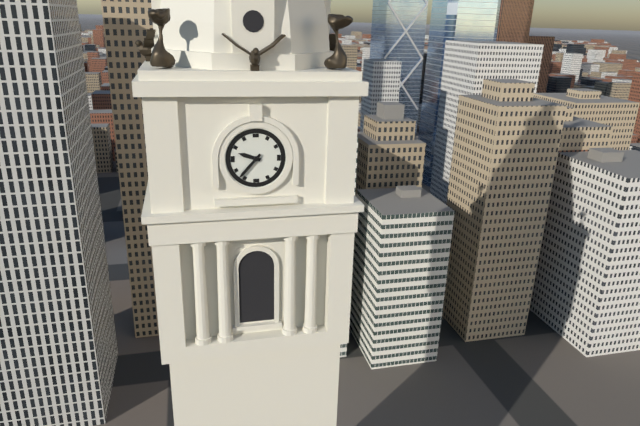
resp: 9h37
